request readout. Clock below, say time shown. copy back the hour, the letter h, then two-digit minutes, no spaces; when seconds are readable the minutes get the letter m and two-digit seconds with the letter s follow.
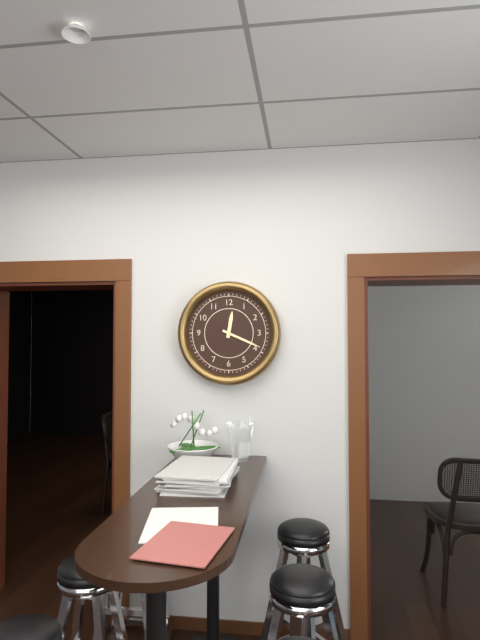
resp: 12h19
